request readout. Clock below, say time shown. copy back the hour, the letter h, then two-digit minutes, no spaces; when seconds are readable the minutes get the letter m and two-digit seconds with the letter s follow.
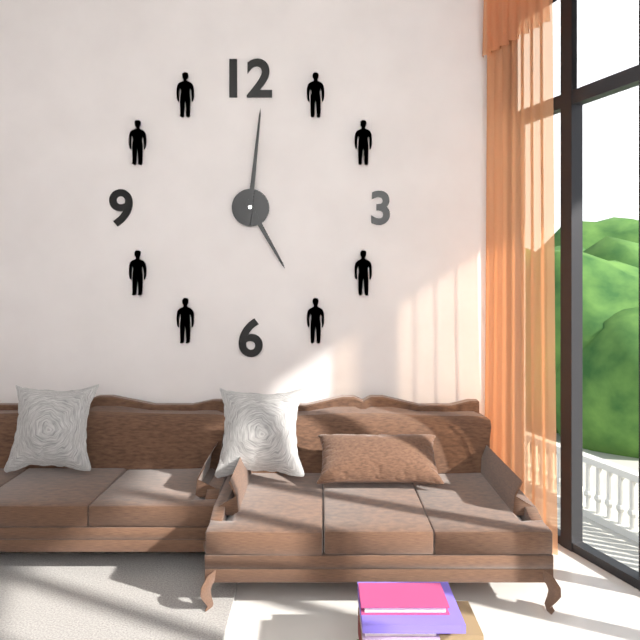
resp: 5h01
